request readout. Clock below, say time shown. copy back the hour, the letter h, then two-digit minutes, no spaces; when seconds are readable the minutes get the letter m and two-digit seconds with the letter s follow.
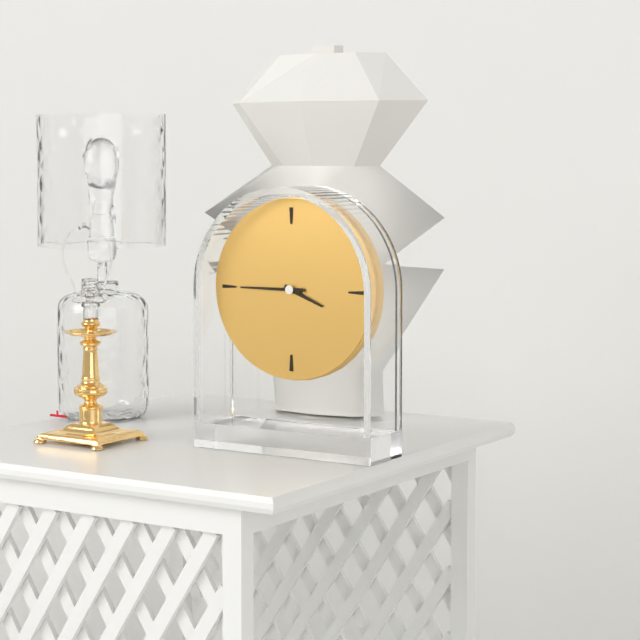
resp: 3h45
